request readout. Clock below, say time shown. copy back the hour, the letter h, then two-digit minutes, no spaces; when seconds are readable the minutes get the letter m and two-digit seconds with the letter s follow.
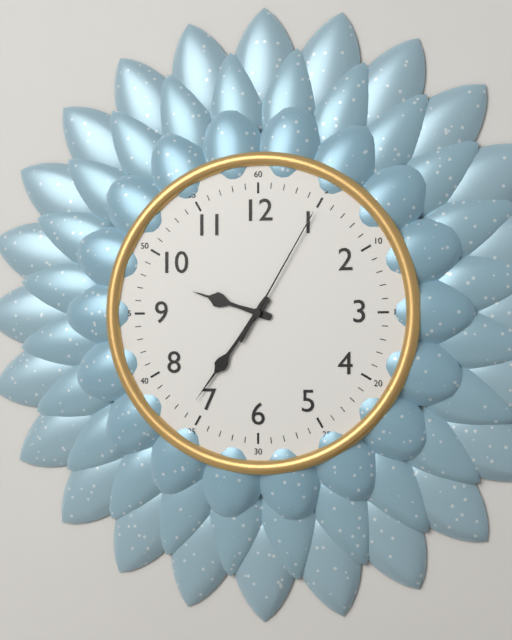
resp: 9h36m05s
